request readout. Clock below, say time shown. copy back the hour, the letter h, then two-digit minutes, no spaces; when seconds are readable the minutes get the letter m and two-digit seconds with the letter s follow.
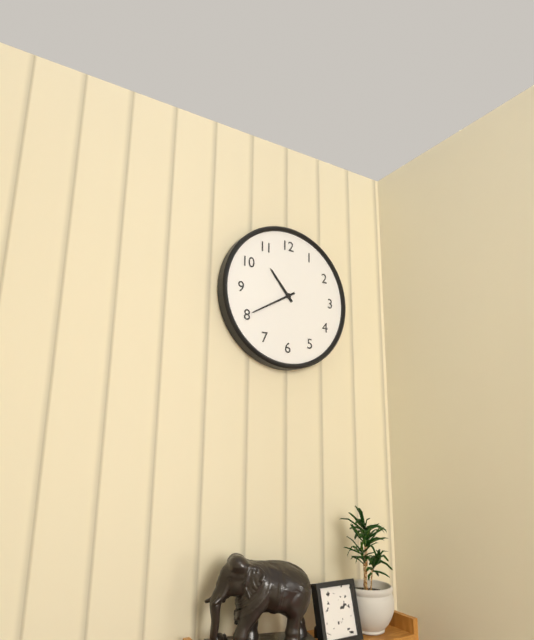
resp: 10h40
